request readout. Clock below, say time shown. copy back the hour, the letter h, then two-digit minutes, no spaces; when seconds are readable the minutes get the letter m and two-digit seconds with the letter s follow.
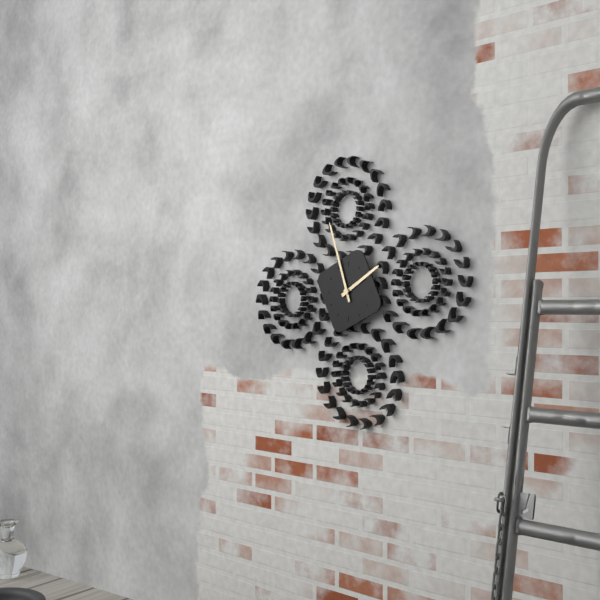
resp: 1h57
